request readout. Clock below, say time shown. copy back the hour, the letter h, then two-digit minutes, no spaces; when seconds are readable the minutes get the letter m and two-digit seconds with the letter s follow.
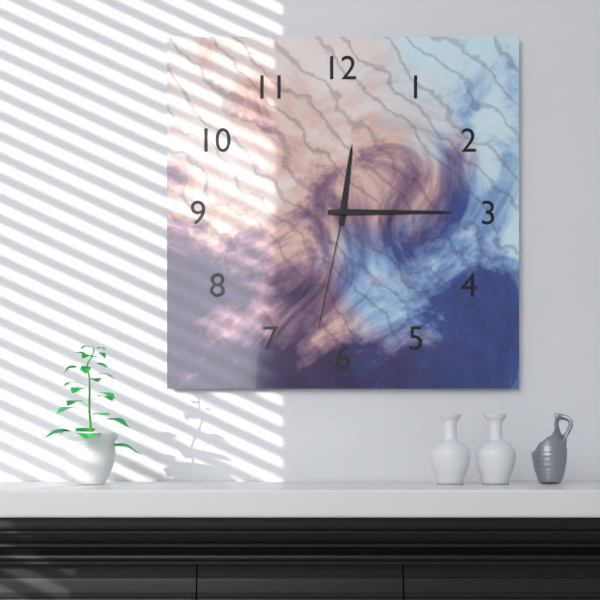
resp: 12h15m32s
